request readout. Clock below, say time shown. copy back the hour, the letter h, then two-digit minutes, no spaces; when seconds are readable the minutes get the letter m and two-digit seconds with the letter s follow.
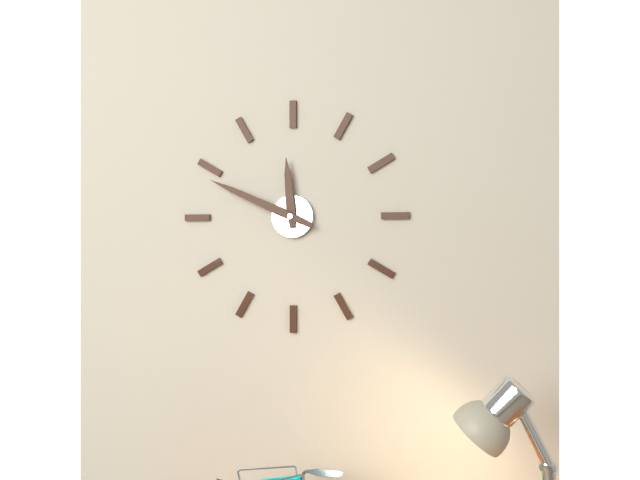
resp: 11h49
